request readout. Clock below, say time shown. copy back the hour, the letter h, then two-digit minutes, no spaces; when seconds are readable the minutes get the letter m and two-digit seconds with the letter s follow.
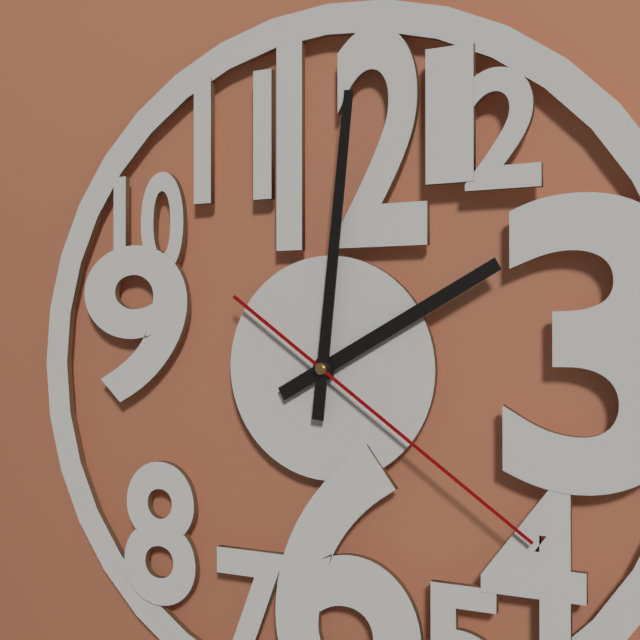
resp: 2h01m21s
